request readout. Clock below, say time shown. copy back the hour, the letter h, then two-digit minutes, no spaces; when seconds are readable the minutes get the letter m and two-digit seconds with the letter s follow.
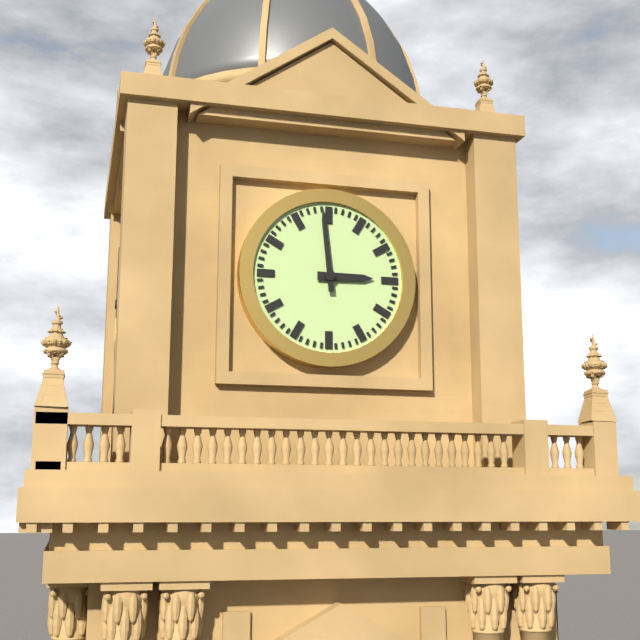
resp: 2h59
